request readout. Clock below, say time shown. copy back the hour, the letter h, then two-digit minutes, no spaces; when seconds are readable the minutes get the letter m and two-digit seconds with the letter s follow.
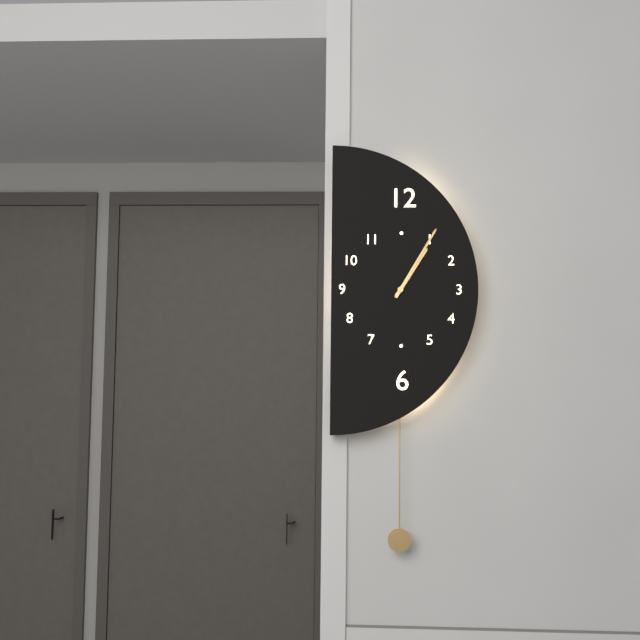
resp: 1h05
